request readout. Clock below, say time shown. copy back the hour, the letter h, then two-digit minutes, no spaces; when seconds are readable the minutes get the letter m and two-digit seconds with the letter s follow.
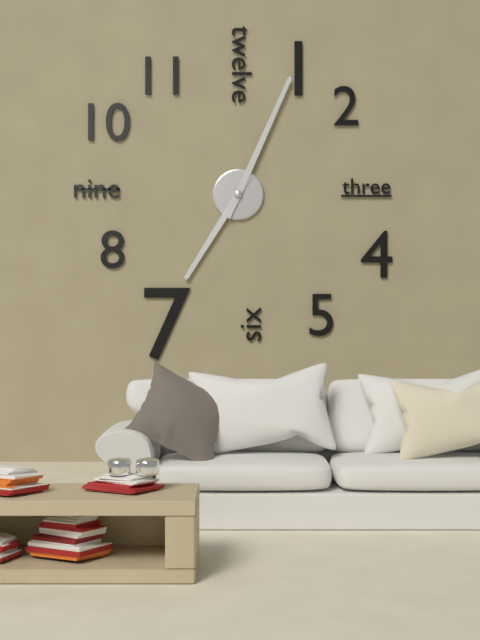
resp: 7h04
